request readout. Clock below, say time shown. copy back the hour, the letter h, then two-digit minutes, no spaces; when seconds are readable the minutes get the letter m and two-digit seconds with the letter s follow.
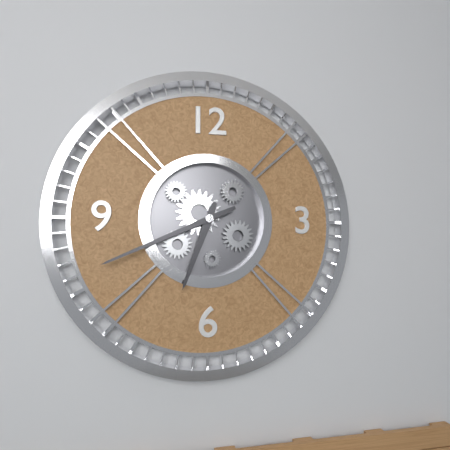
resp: 6h41
